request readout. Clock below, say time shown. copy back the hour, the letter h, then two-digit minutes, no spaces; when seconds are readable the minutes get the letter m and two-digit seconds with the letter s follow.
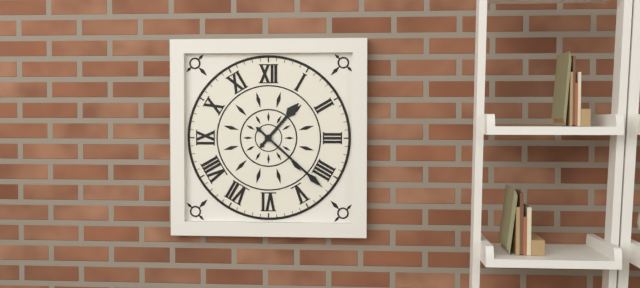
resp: 1h22
